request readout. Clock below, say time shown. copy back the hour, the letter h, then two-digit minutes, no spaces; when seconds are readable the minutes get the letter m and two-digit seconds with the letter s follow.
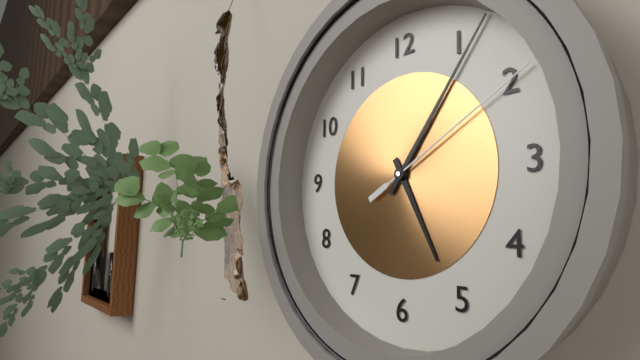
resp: 5h06m10s
